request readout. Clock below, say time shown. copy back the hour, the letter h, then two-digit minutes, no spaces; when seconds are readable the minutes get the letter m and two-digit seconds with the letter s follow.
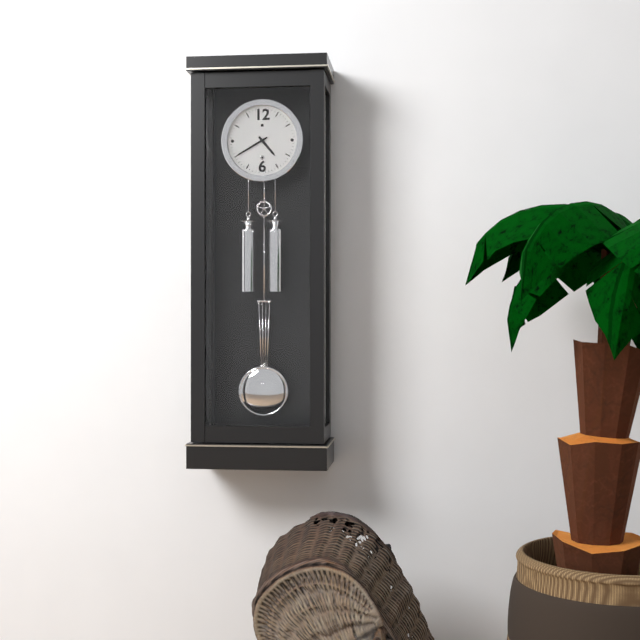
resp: 4h40
